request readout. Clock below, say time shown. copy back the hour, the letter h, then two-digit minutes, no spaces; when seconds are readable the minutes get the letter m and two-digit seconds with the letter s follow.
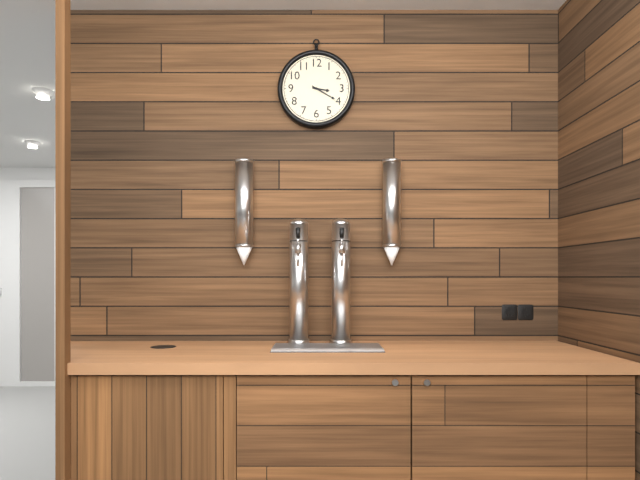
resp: 3h20
